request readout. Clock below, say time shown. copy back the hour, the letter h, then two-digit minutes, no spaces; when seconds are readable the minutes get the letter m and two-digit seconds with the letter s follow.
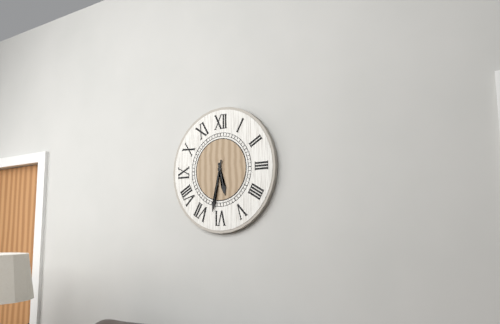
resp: 5h32
